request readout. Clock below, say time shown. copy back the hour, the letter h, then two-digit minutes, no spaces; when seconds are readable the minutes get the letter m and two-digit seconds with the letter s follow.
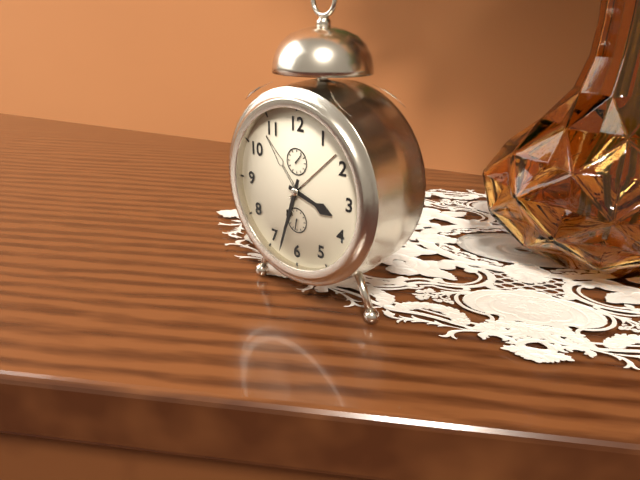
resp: 3h33
